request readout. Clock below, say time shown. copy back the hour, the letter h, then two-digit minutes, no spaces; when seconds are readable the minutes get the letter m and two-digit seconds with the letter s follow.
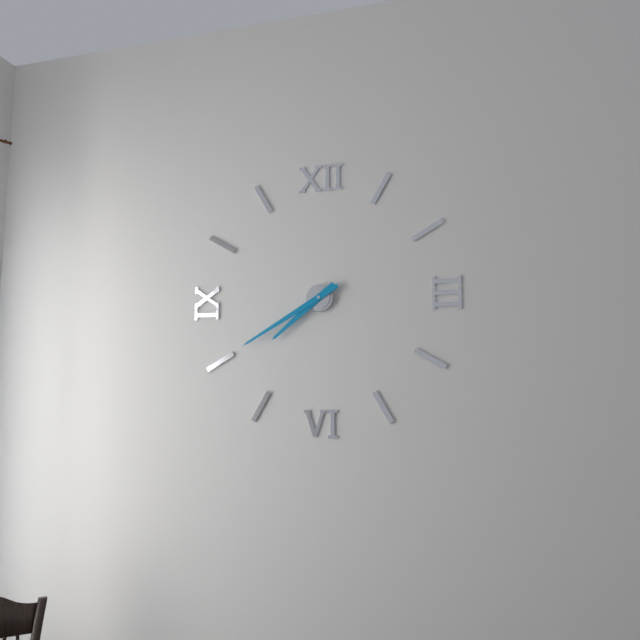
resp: 7h40
